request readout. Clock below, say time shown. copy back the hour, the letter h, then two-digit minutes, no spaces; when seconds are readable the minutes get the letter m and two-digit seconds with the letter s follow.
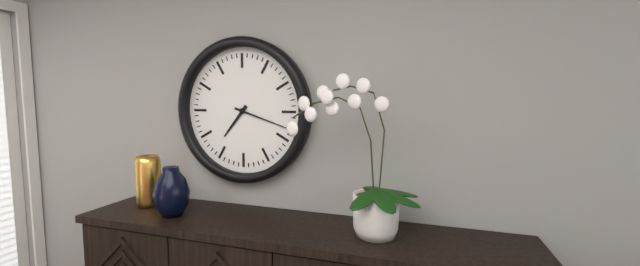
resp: 7h18
